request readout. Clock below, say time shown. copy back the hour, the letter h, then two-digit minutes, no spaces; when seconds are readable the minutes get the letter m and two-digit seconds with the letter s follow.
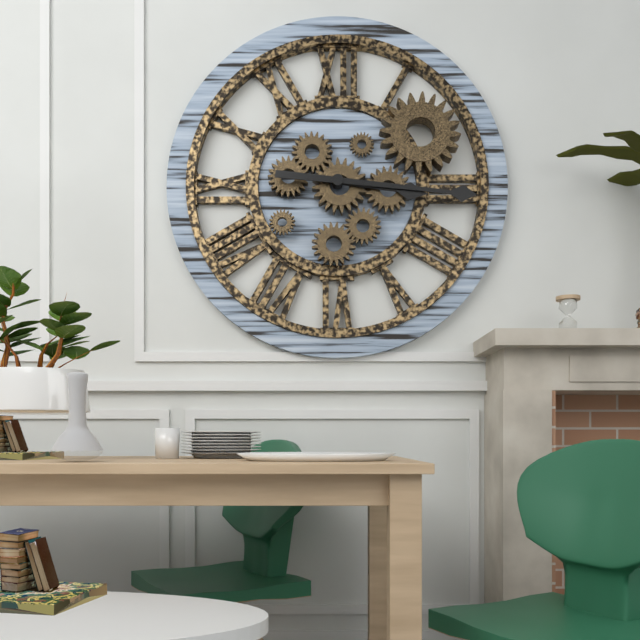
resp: 3h16
